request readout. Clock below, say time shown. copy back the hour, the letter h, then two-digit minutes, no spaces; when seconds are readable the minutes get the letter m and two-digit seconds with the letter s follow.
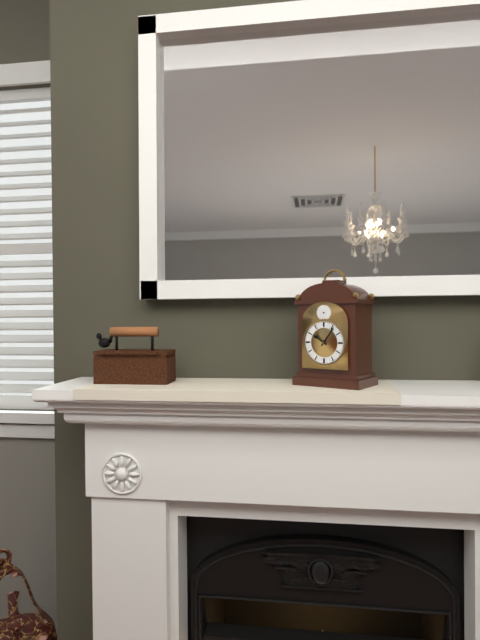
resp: 10h06
